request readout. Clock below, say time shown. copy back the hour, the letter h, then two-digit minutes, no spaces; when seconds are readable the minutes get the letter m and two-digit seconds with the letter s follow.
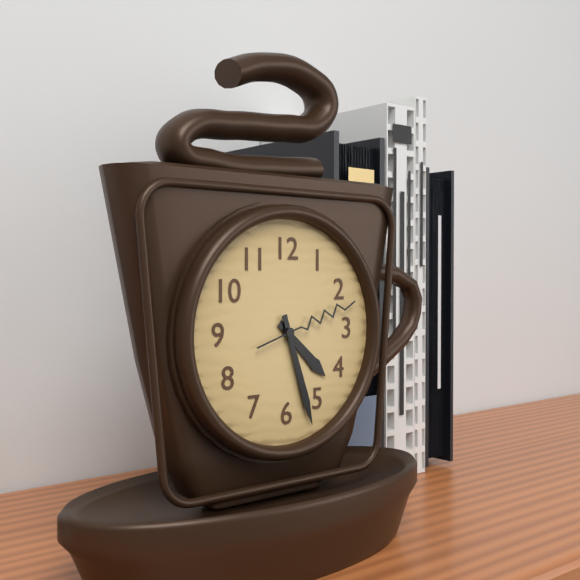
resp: 4h27m12s
